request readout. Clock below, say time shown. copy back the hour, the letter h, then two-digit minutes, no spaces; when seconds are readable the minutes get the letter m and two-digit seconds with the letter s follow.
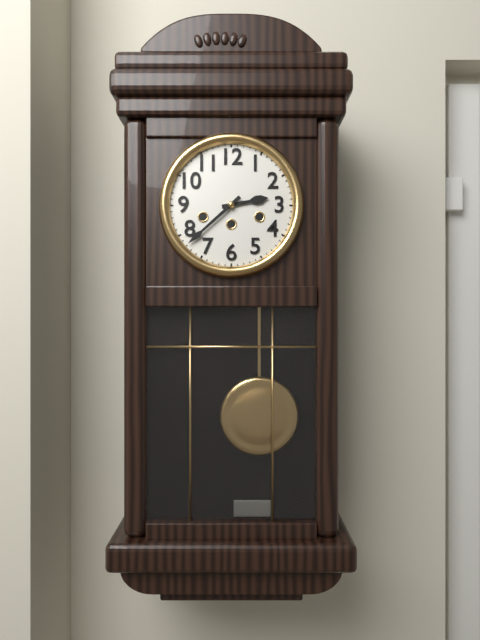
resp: 2h38
